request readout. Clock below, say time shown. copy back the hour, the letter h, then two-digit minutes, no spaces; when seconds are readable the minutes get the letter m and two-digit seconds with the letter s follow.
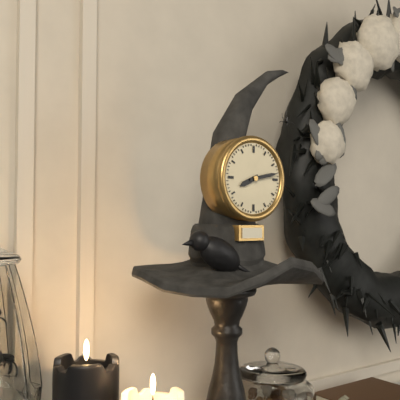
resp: 8h13
